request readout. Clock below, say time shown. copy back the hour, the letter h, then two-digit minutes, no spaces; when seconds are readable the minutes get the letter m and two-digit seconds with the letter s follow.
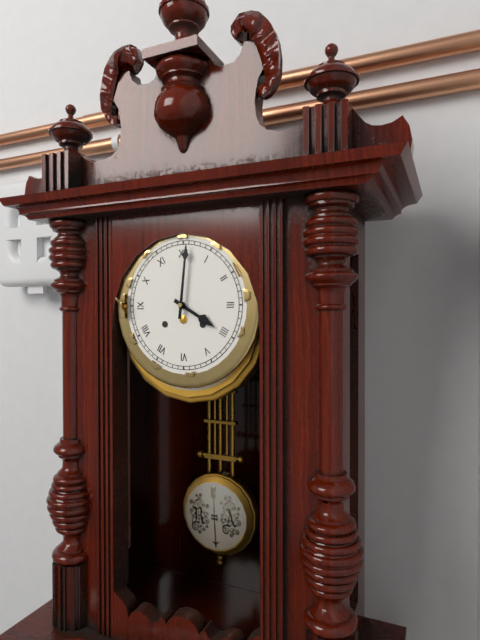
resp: 4h01
